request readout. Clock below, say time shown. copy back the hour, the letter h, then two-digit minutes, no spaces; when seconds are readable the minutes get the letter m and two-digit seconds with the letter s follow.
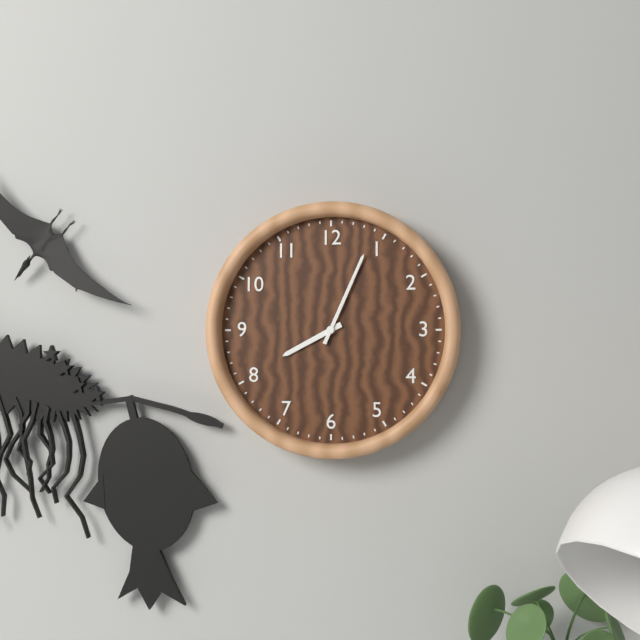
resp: 8h04
